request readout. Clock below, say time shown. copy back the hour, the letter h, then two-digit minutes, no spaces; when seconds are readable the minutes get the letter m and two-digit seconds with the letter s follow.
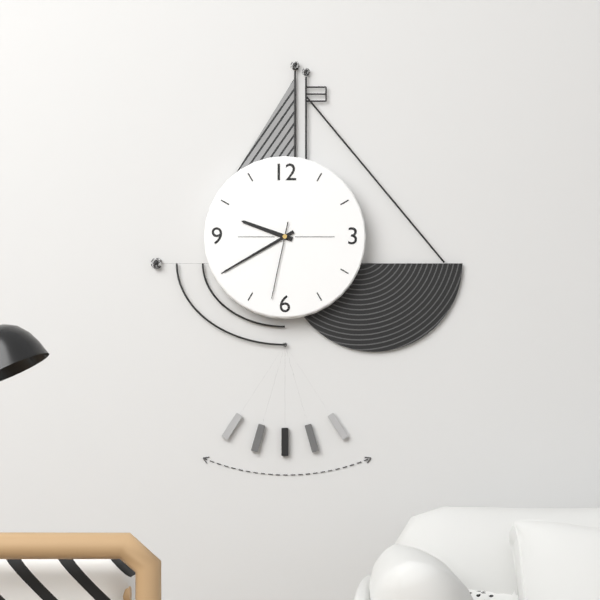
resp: 9h40m32s
